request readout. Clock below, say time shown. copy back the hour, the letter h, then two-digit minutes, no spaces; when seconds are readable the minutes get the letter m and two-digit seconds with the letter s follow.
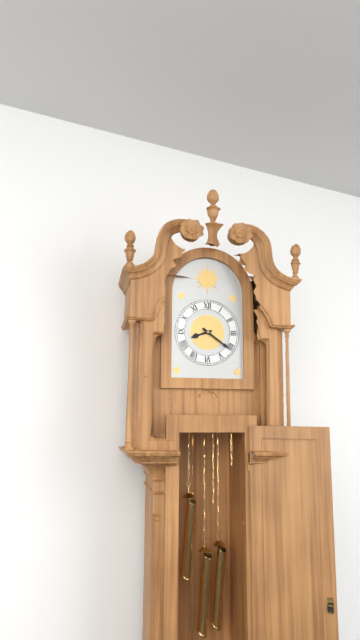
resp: 8h21
